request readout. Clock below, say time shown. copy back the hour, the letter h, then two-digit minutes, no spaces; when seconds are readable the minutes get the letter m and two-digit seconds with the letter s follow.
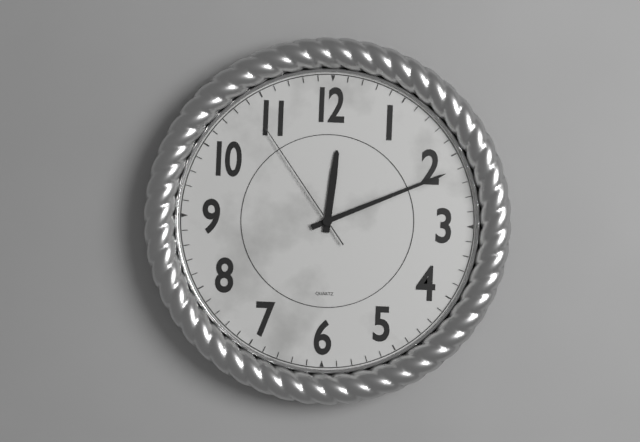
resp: 12h11m54s
